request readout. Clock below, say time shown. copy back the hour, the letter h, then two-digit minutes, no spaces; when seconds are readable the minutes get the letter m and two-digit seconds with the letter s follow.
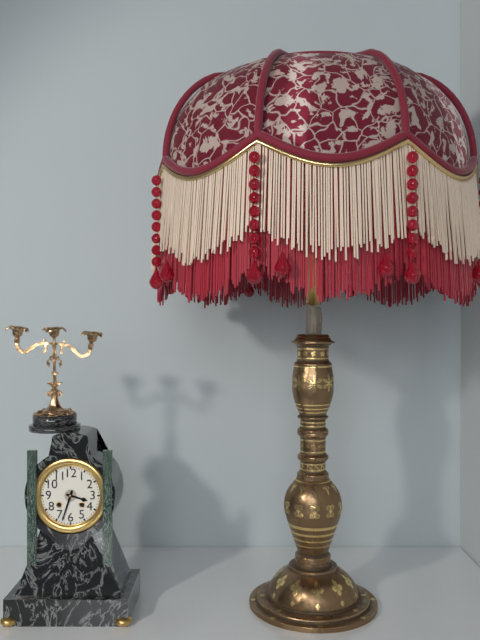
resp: 3h33
